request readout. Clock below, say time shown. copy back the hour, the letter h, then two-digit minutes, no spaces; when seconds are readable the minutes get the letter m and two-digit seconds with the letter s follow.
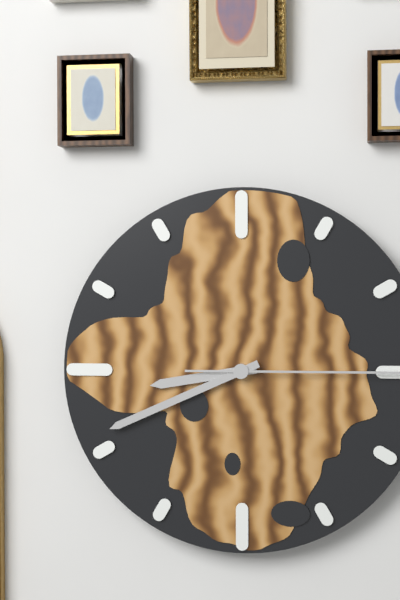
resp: 8h41
